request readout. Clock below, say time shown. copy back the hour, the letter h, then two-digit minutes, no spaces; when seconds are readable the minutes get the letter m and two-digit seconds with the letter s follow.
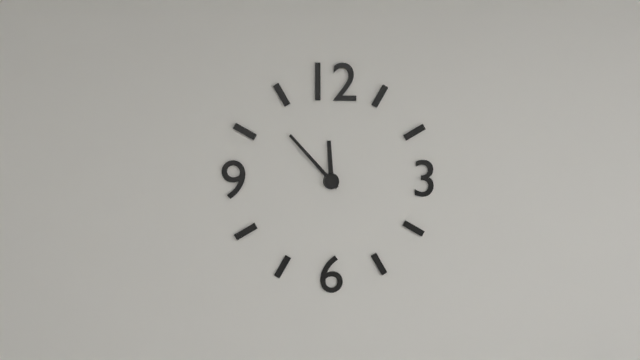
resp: 11h53
